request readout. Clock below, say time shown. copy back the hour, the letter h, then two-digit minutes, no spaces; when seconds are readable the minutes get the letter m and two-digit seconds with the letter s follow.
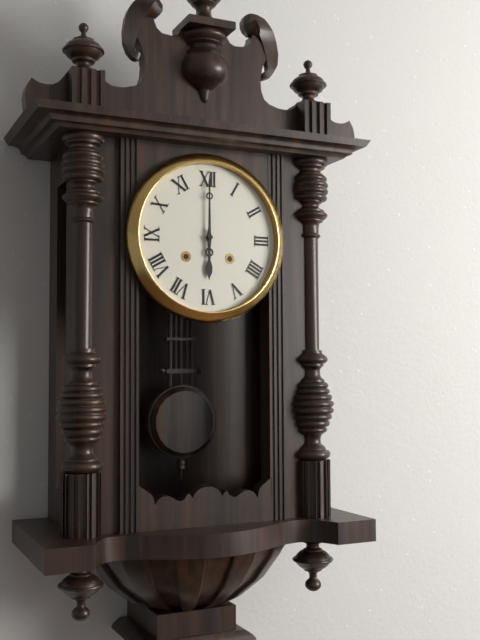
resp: 6h00
